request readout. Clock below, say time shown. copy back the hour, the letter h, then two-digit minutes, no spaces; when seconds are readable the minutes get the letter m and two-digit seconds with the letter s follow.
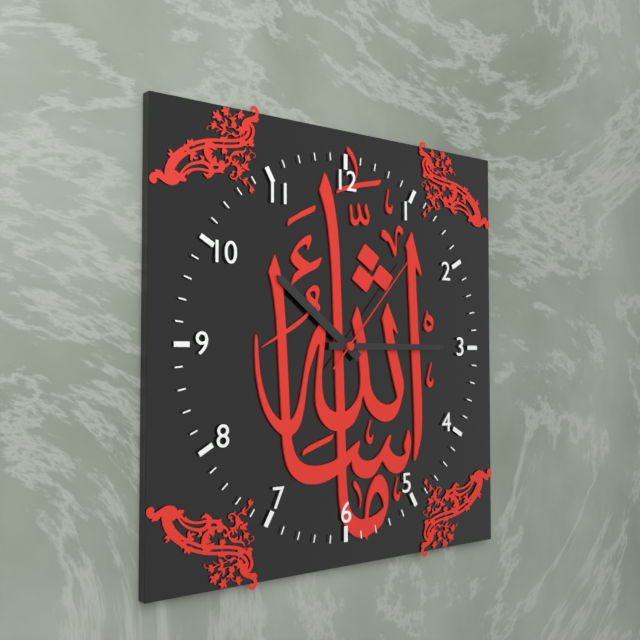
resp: 10h15m07s
